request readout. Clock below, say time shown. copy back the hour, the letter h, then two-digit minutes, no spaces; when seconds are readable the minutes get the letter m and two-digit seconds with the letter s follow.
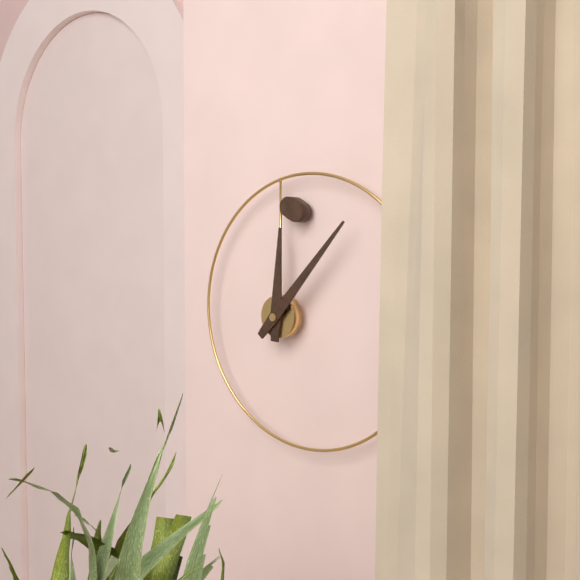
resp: 12h07
